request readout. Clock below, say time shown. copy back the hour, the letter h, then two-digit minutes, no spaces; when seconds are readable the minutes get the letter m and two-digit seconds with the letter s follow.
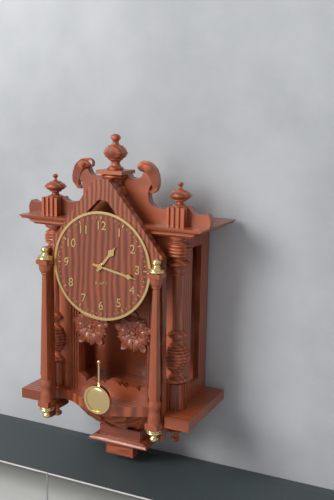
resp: 1h17
